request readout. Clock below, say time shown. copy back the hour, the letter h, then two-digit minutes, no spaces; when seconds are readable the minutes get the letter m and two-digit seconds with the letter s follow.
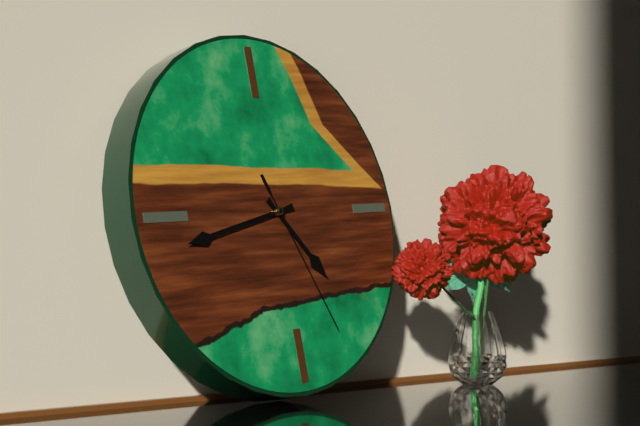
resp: 4h43m26s
